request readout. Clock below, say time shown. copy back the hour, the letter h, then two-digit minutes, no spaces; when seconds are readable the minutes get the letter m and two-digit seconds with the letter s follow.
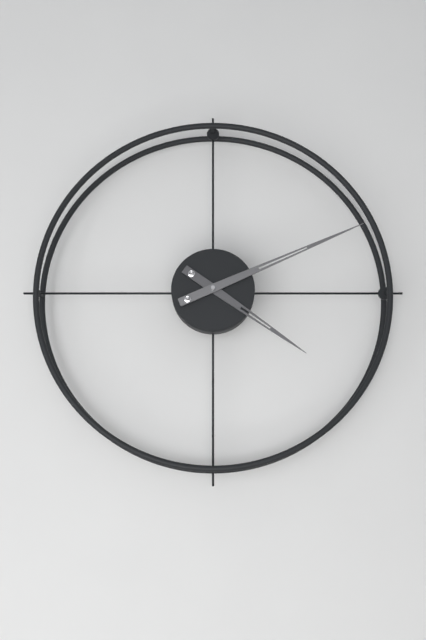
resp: 4h11
